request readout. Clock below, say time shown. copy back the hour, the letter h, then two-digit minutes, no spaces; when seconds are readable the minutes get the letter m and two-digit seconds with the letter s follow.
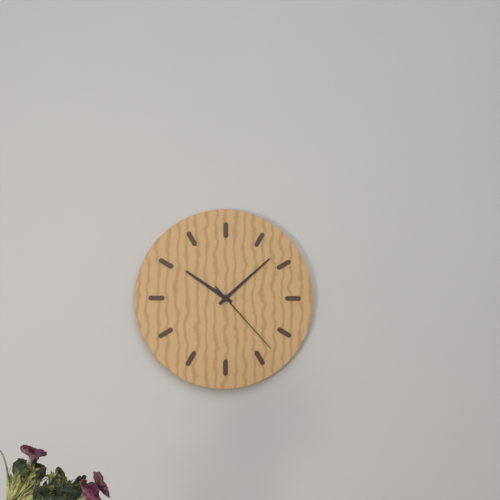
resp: 10h08m23s
